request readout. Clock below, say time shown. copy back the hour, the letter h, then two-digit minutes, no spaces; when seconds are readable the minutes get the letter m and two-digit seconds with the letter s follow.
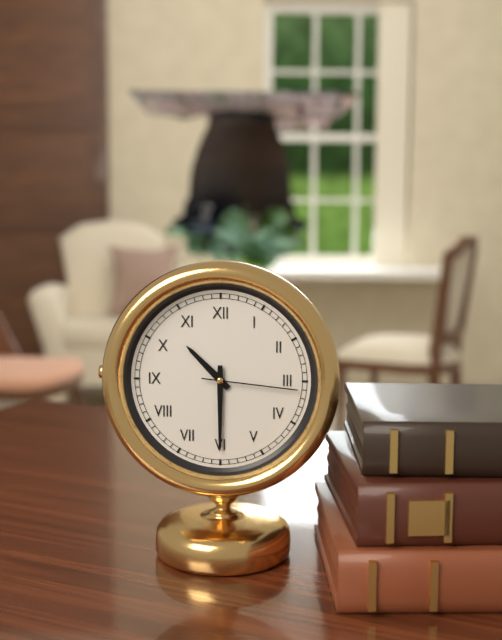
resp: 10h30m16s
